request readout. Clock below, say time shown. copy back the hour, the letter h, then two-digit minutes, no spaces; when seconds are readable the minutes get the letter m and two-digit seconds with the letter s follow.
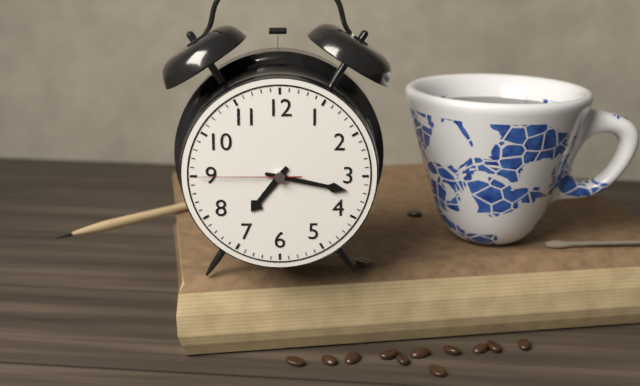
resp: 7h17m45s
